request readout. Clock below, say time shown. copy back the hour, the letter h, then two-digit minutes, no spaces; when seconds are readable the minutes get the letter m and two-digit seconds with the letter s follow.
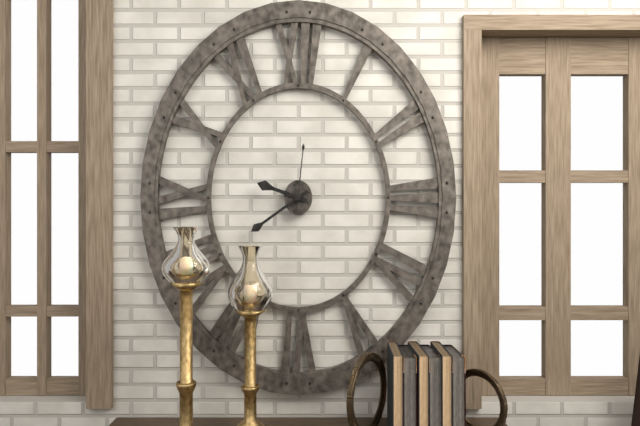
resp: 9h39m01s
